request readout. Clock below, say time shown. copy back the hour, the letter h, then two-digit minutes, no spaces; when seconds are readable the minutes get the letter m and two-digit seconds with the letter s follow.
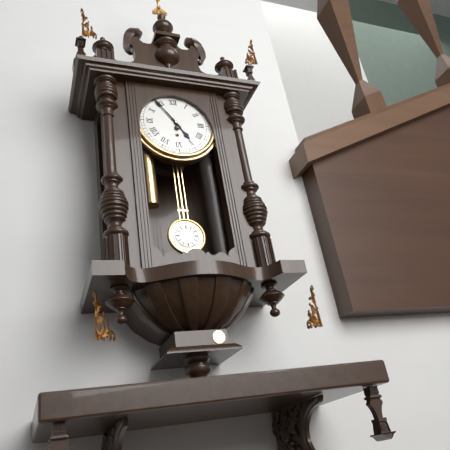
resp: 4h54
